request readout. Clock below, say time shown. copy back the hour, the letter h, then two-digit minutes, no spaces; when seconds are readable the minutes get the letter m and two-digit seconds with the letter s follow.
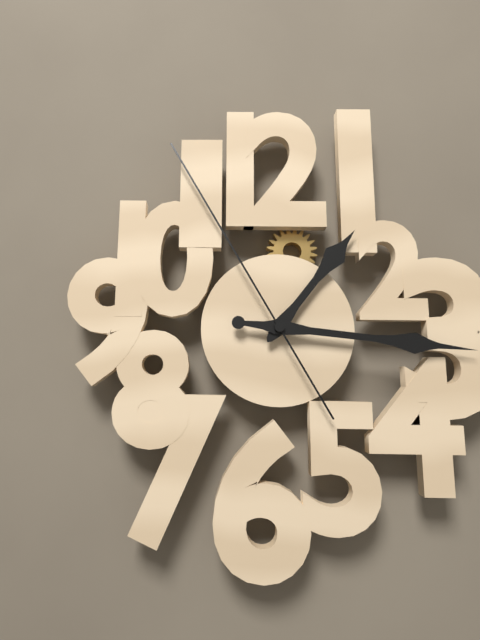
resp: 1h16m55s
